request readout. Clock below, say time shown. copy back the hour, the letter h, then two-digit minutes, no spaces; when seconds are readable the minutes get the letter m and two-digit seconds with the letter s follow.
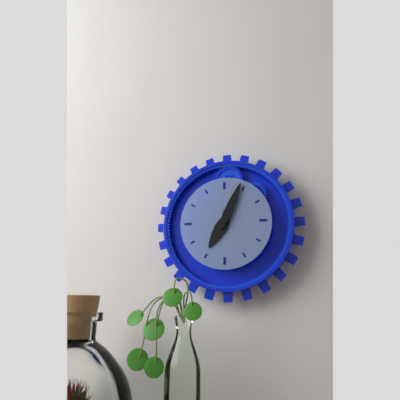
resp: 7h04
